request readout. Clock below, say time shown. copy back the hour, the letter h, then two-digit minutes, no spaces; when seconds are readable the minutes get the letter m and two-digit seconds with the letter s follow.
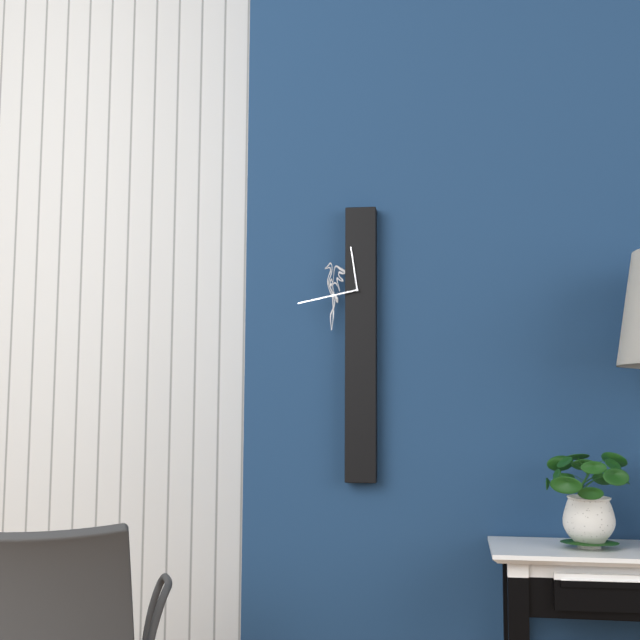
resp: 11h43
